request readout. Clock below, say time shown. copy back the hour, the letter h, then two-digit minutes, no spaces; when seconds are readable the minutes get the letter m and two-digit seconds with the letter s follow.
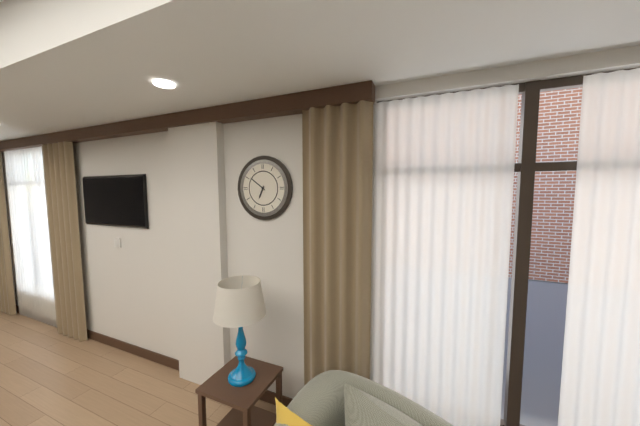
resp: 6h51
